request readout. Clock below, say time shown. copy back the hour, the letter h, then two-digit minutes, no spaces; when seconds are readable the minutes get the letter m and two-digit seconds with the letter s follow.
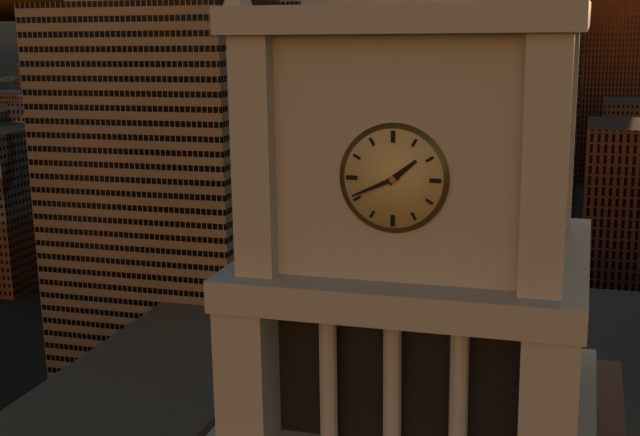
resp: 1h41
